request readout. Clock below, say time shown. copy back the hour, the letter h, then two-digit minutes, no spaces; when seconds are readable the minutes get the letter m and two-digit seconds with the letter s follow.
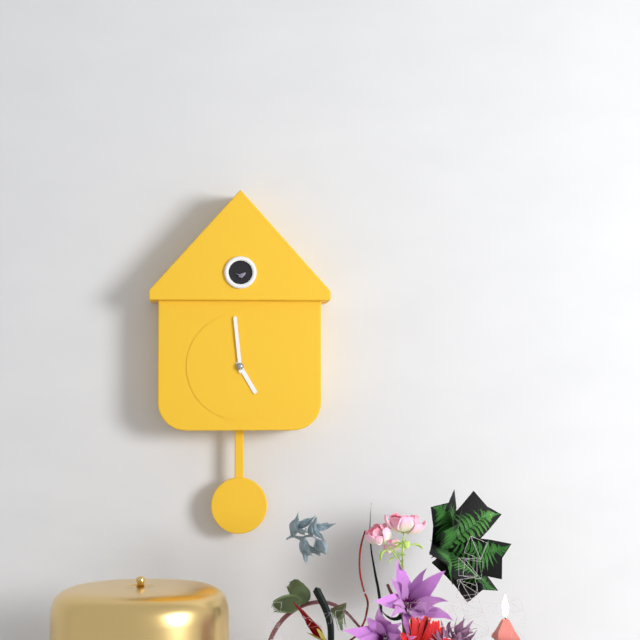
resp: 4h59
